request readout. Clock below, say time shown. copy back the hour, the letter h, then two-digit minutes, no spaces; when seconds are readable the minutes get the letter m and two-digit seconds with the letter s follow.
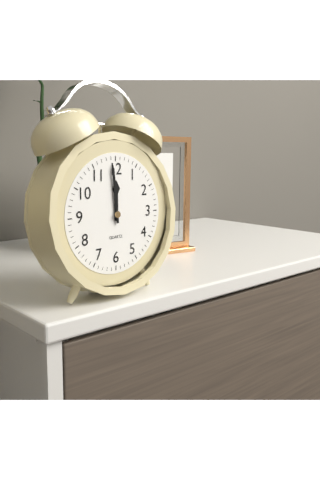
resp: 11h59
